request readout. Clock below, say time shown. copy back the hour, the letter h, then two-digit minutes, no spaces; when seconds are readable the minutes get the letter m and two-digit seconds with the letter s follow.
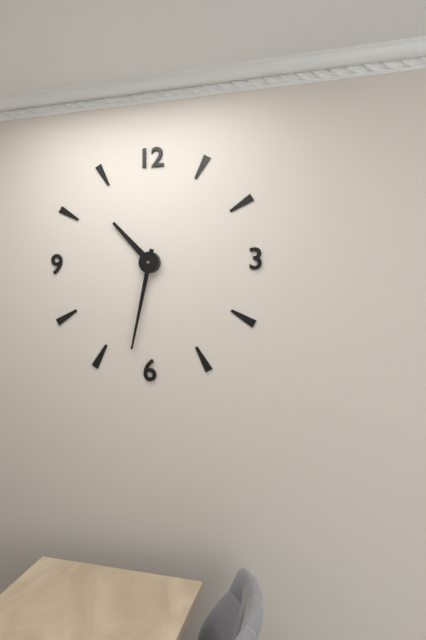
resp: 10h32
